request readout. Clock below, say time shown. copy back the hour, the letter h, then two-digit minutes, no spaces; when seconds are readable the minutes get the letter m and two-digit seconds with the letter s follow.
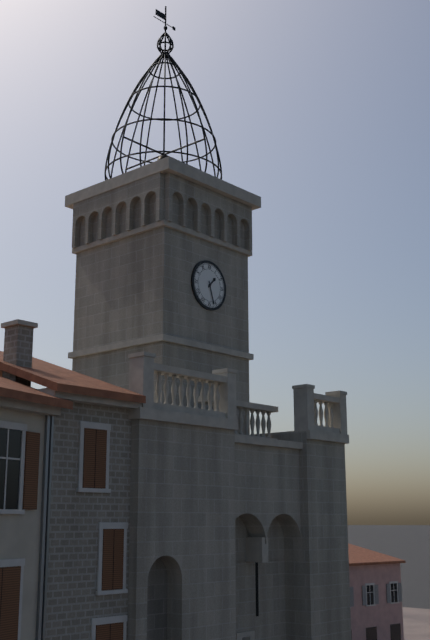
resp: 1h27
